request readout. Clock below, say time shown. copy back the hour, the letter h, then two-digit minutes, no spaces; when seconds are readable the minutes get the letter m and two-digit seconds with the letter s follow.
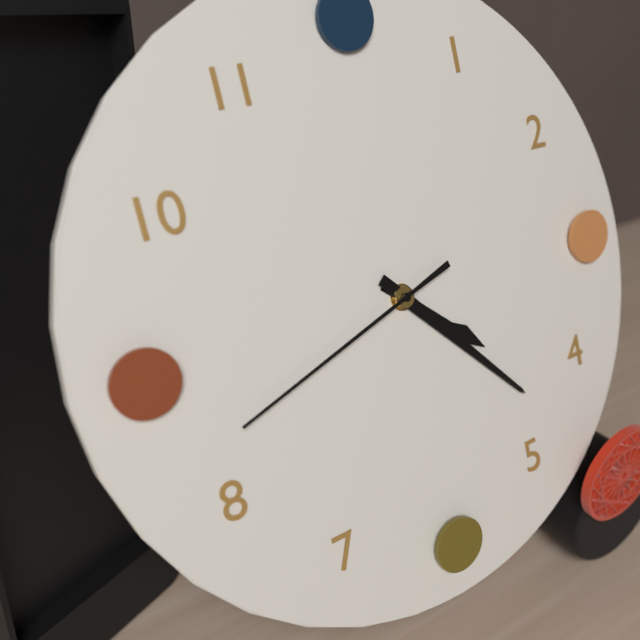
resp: 4h23m42s
